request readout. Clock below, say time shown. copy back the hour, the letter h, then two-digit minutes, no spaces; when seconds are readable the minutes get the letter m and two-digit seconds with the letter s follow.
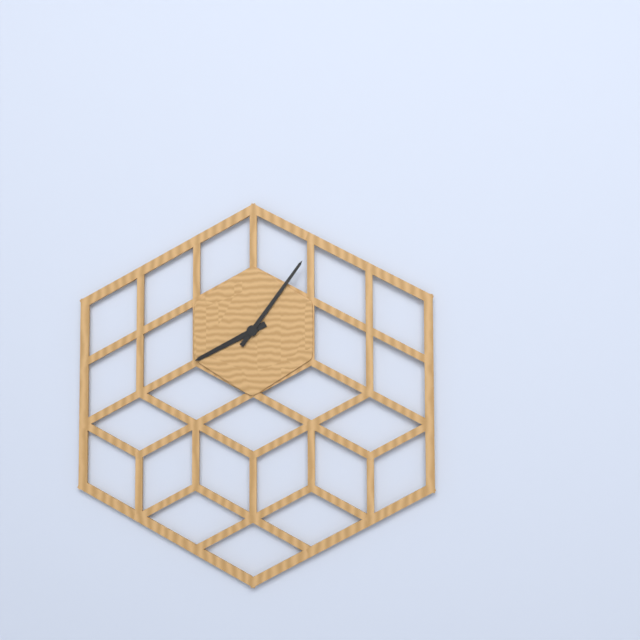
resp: 8h06
